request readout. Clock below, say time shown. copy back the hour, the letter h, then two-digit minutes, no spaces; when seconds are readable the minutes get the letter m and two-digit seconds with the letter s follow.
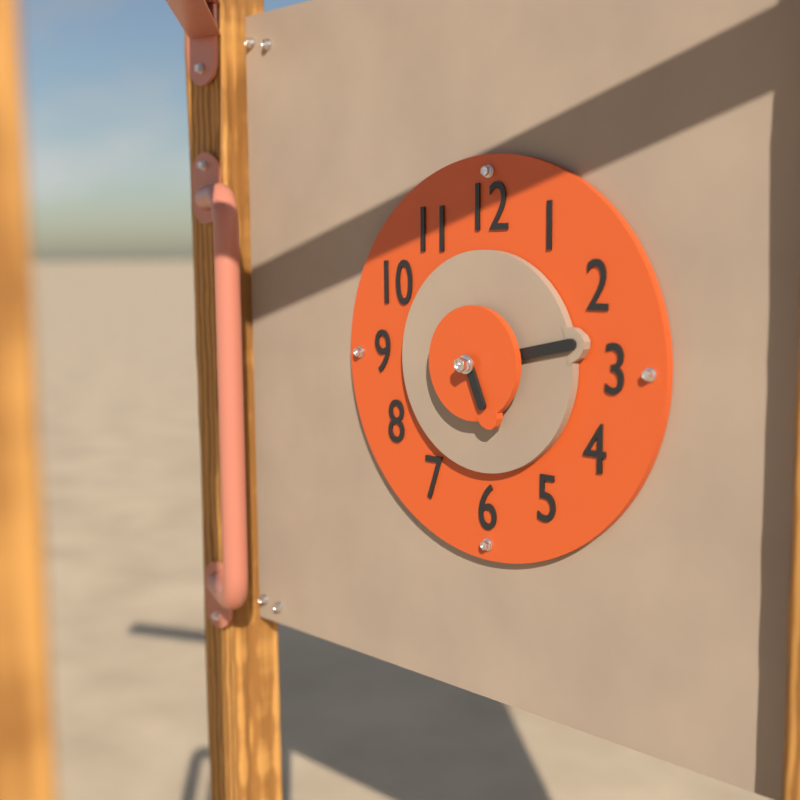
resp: 5h13
